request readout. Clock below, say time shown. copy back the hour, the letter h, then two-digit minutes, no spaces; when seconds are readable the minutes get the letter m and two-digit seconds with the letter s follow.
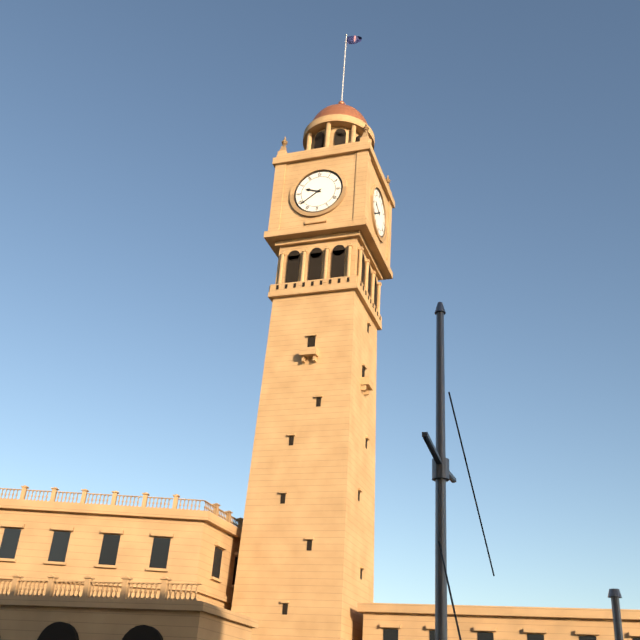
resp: 9h39
